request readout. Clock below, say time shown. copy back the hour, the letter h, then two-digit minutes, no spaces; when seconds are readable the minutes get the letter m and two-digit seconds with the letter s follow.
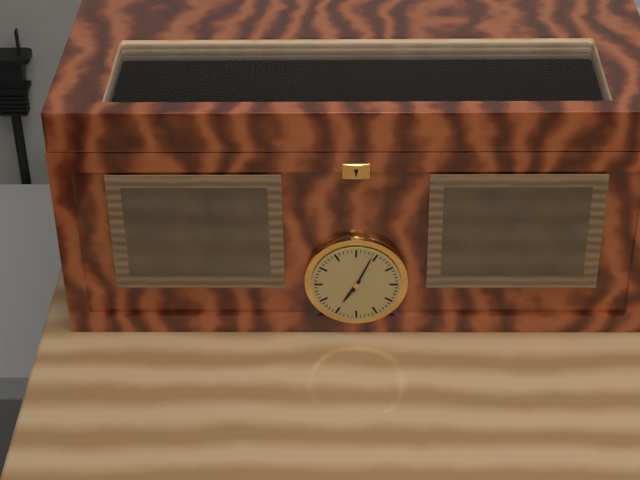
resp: 7h04
